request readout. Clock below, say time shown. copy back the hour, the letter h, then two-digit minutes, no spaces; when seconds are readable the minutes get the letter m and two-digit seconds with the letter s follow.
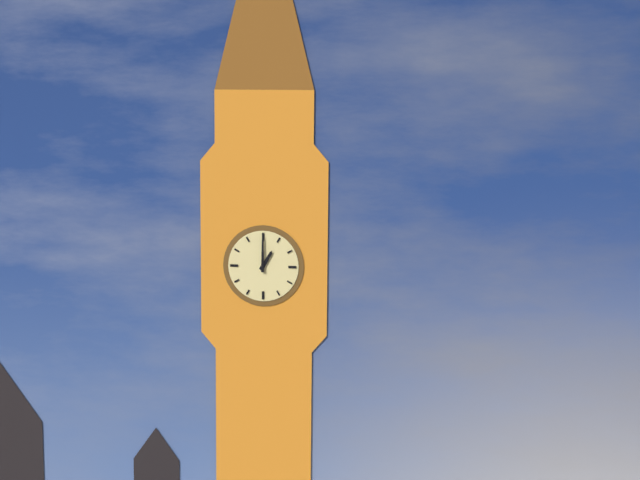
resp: 1h00
